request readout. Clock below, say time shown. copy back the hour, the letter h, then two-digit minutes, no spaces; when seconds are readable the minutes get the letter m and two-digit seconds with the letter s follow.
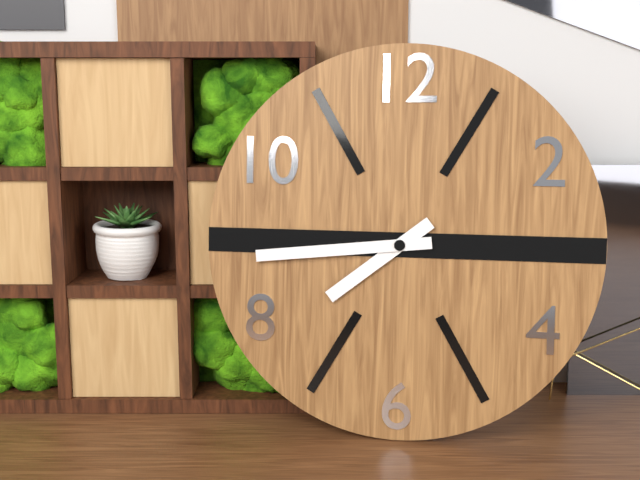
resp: 7h44
